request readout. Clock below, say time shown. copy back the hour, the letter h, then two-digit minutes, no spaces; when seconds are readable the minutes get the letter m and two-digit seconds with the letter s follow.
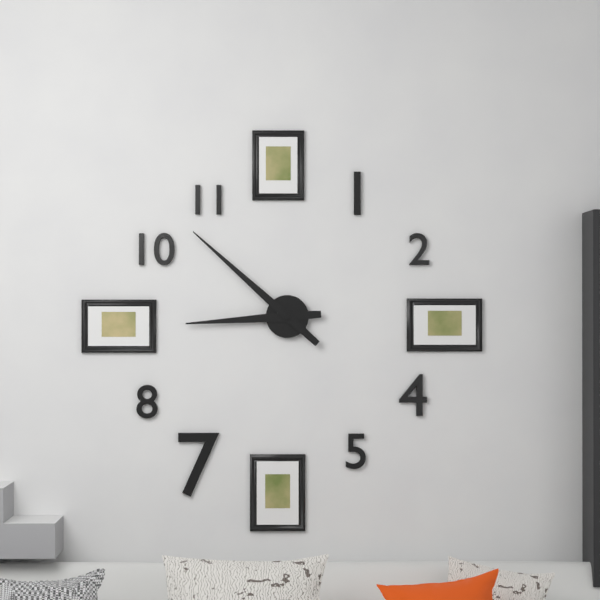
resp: 8h52
